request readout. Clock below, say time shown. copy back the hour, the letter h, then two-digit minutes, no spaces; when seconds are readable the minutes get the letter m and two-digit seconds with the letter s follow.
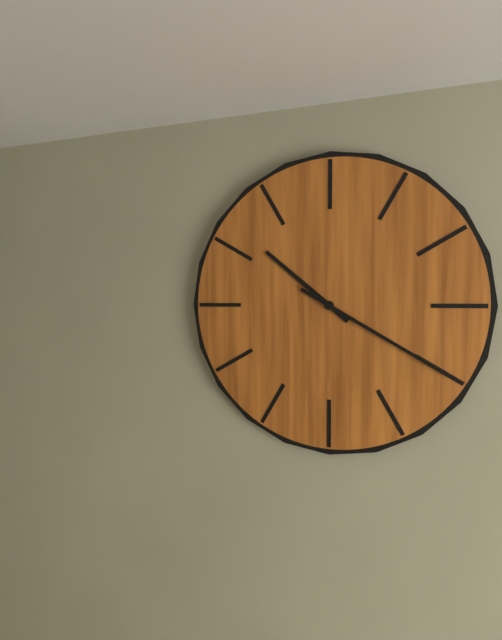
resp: 10h20
